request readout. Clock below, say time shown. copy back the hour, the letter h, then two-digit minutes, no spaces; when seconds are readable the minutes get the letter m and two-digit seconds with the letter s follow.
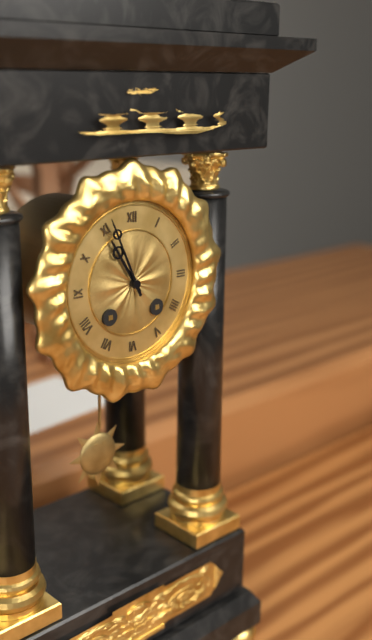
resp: 10h56
